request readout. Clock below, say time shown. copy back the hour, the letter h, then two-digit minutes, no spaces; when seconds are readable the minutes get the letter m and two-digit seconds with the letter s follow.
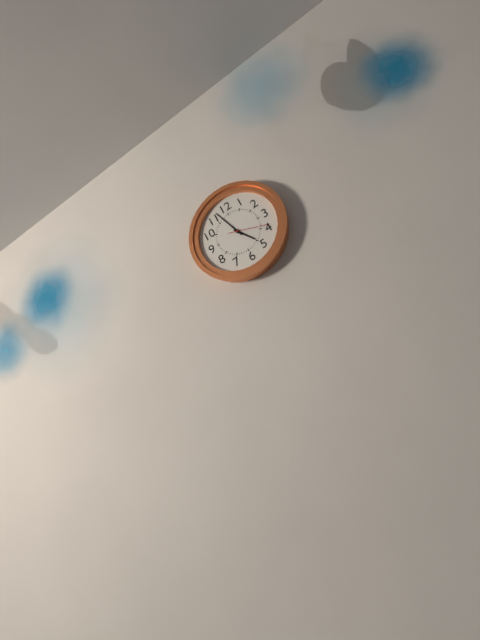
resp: 4h57
